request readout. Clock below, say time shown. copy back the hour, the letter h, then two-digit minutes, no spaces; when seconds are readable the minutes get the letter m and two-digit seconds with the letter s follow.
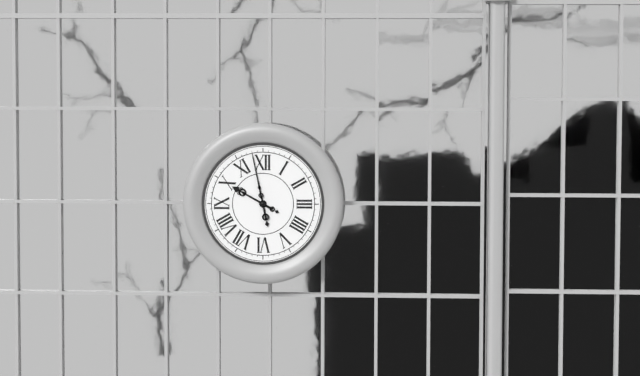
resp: 9h58
